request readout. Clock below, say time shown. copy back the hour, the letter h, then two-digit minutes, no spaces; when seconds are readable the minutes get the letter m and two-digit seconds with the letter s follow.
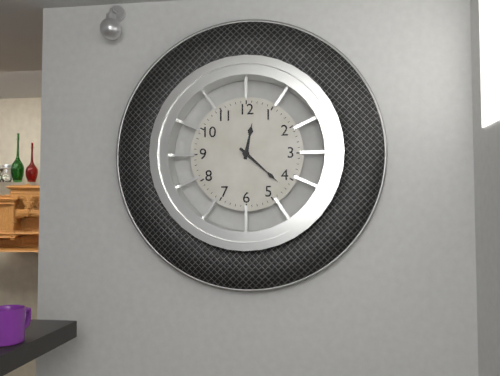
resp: 12h22
